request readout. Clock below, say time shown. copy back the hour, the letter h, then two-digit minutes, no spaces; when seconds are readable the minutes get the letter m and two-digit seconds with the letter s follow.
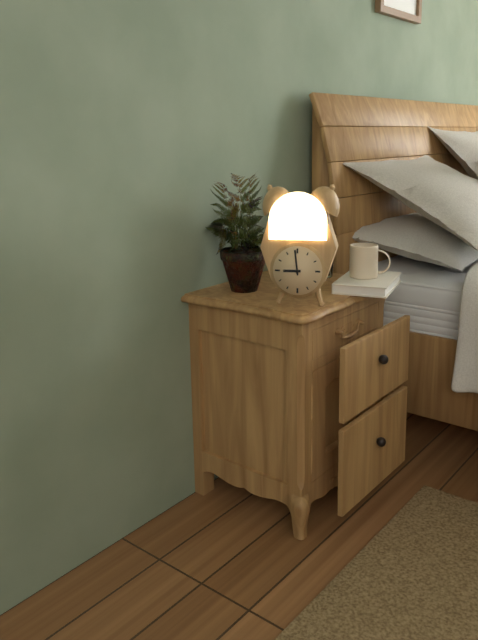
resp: 8h59
